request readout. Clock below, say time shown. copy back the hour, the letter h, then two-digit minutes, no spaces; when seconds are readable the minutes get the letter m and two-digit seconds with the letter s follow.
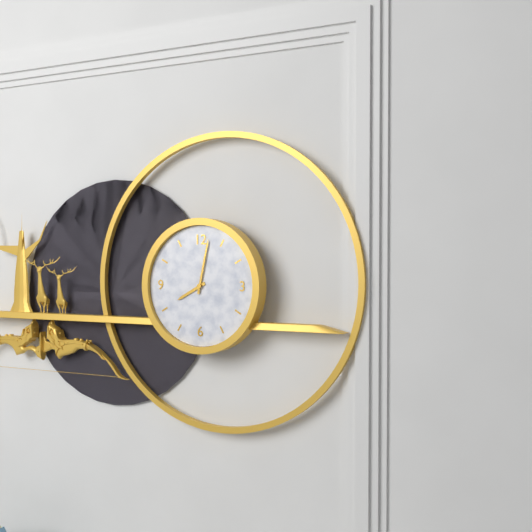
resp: 8h02
